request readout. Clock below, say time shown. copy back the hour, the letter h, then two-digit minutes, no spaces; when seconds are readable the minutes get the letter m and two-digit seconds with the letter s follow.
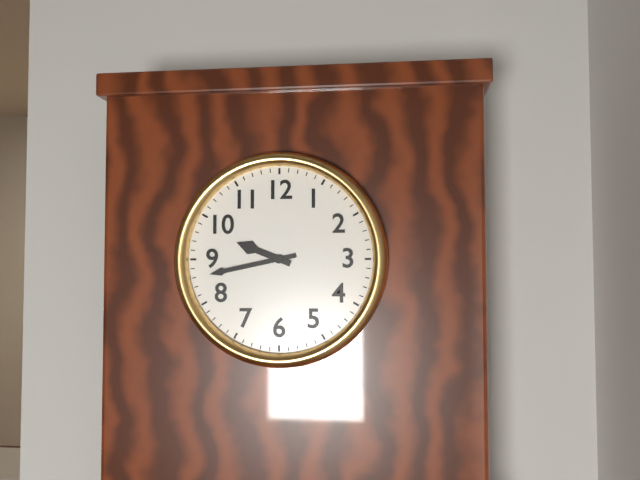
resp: 9h43
